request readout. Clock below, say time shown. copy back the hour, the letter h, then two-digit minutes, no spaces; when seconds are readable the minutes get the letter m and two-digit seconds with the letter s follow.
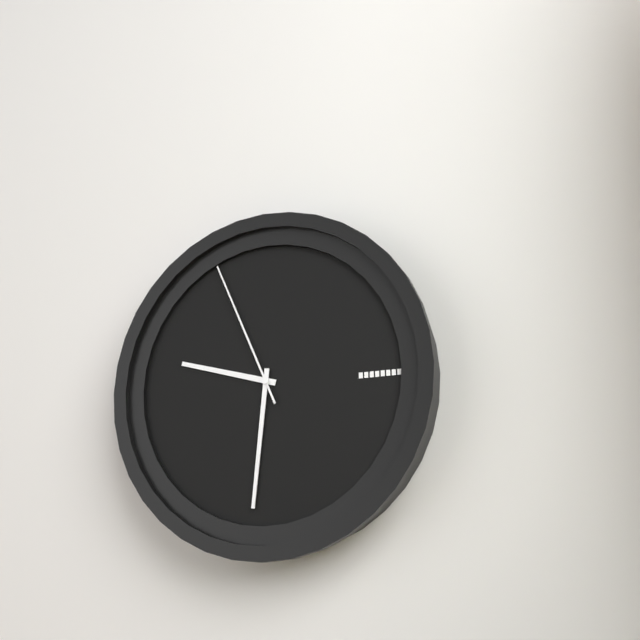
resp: 9h31m56s
